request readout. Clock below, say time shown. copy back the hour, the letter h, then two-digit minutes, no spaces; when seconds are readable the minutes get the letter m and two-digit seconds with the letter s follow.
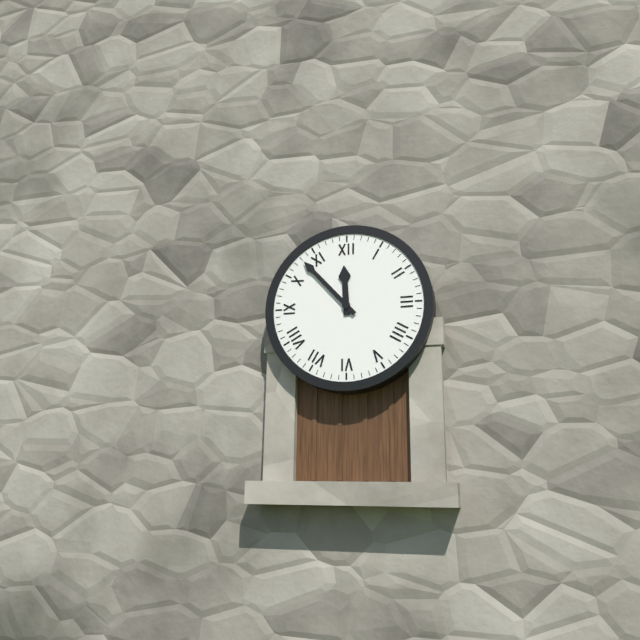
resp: 11h53
